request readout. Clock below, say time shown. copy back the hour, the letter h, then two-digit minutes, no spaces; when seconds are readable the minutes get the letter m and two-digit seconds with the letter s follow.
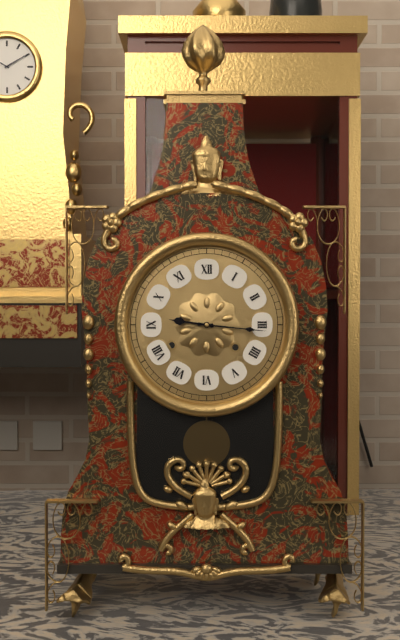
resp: 9h16
